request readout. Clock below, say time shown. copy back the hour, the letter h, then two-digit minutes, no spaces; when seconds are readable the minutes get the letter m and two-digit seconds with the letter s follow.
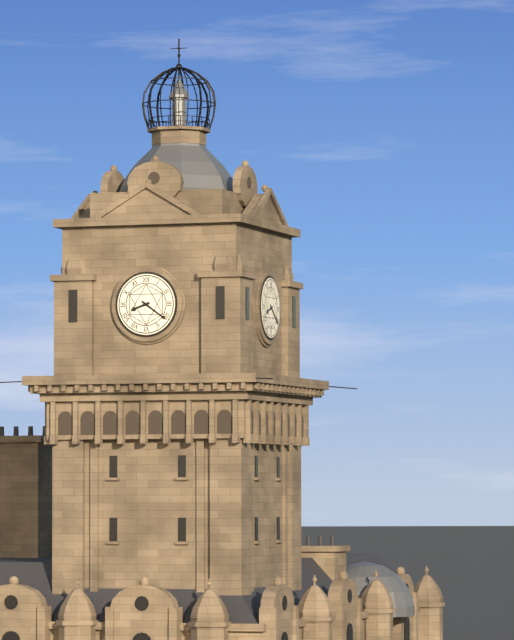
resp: 8h21
